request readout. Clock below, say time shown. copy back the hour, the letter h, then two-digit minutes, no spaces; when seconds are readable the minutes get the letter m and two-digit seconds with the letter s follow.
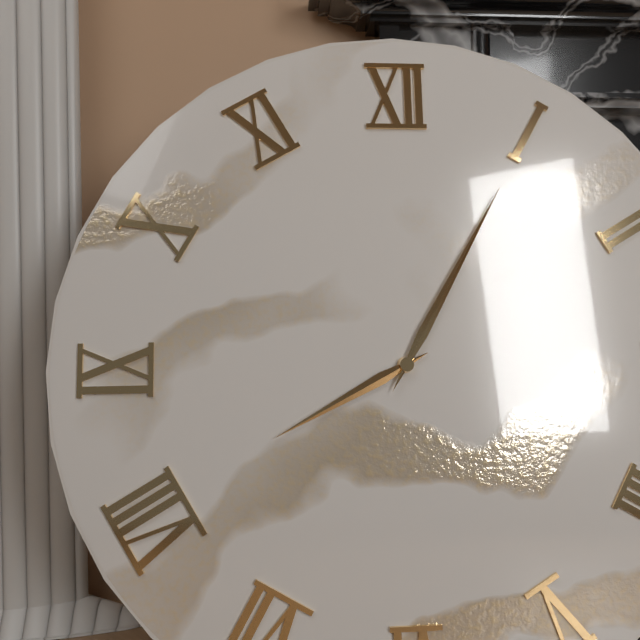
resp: 8h05
